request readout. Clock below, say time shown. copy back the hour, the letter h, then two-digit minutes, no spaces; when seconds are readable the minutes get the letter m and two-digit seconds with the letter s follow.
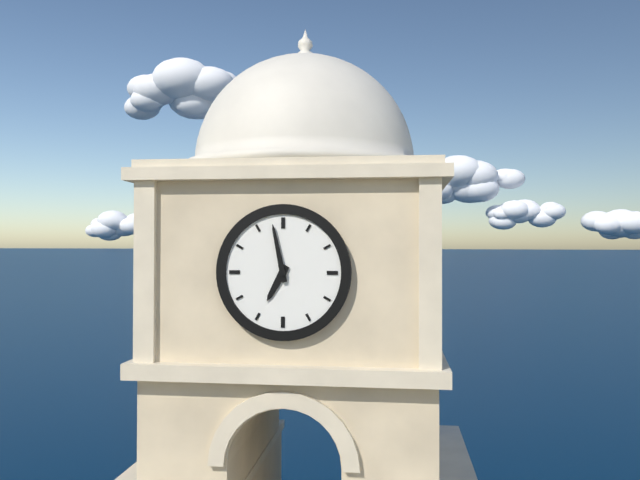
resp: 6h58
